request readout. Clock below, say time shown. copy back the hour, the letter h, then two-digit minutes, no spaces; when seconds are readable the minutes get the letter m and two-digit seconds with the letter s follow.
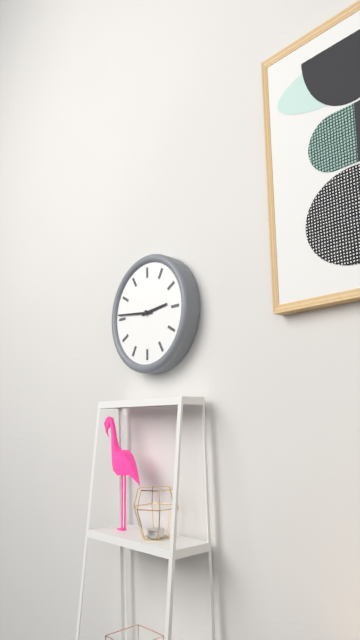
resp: 2h46
